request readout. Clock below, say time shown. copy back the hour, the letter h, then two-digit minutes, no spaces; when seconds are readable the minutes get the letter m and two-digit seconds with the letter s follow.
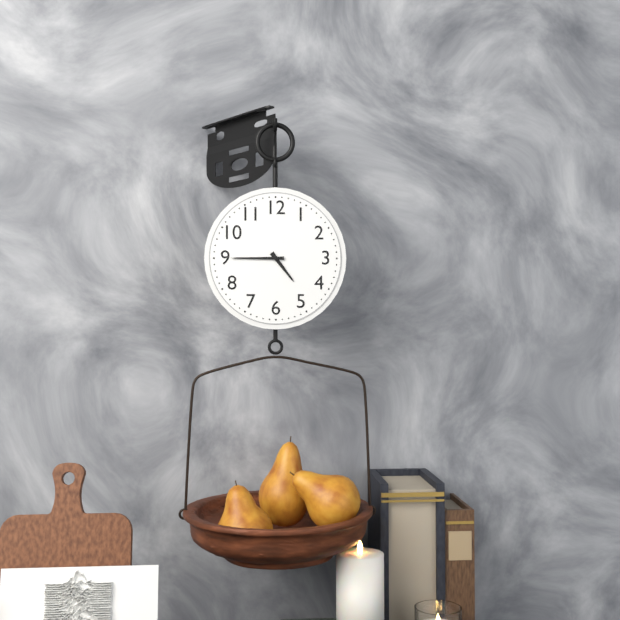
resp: 4h45
